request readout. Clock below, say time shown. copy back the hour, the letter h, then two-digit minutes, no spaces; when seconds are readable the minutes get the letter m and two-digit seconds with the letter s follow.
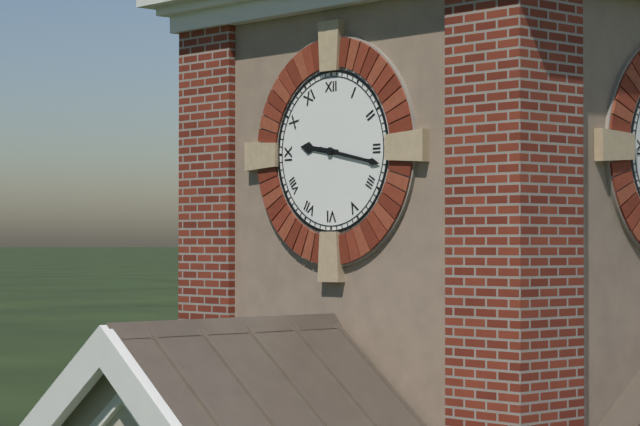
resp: 9h17
